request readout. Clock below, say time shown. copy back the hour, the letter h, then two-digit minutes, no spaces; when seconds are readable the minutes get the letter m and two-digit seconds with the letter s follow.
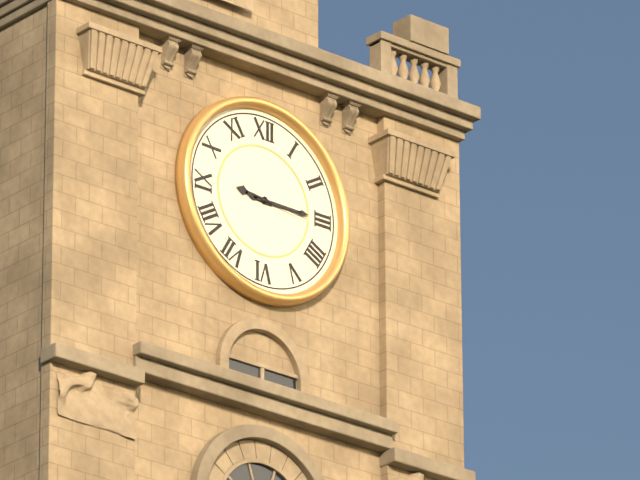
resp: 9h15m16s
